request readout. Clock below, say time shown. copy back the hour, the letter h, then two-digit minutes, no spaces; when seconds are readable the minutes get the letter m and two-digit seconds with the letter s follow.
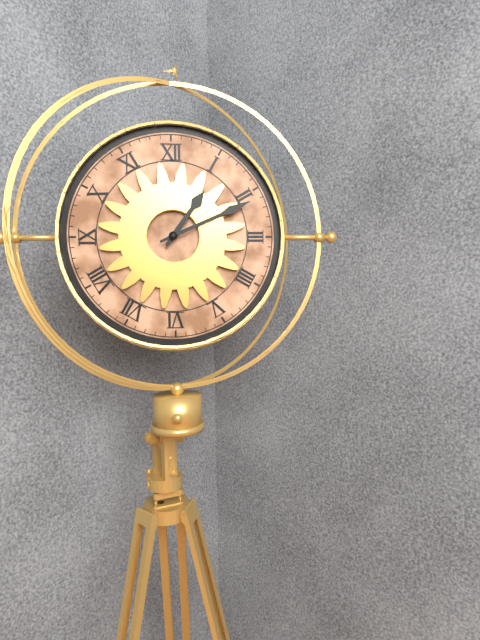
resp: 1h11
